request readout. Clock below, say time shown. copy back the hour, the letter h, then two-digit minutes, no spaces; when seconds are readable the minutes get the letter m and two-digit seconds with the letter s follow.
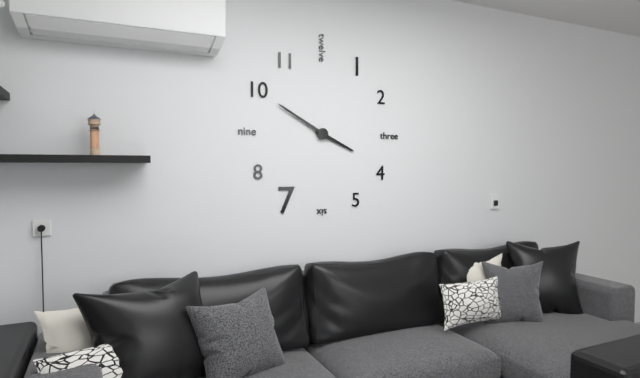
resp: 3h50
